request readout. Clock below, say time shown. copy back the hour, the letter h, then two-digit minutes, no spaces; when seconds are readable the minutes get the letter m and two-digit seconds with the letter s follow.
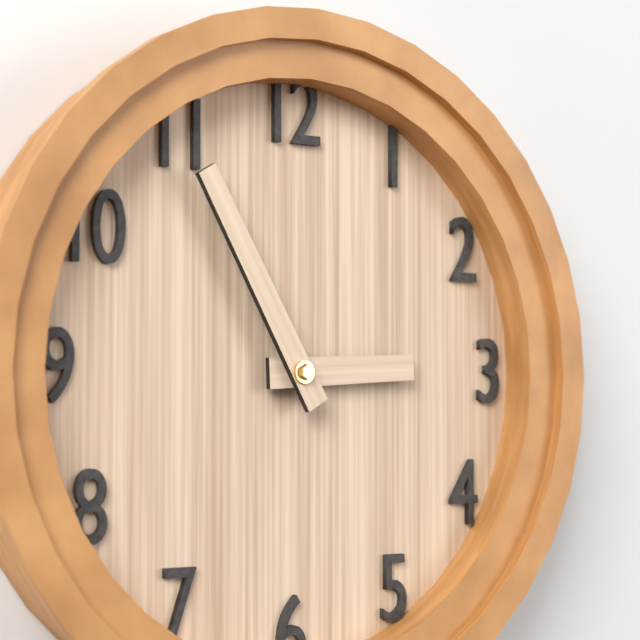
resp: 2h55
